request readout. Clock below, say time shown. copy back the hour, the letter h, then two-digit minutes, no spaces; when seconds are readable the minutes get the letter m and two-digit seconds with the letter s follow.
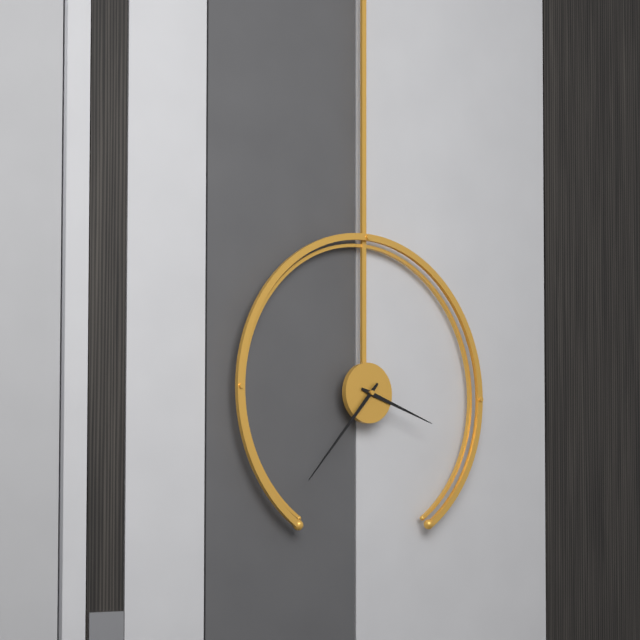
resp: 3h37
